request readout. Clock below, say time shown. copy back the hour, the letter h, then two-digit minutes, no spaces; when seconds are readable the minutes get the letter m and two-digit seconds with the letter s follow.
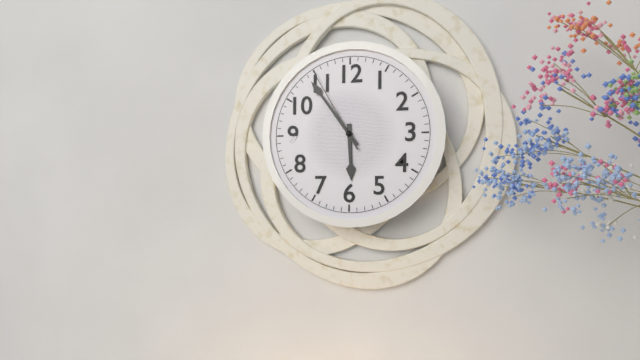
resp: 5h54m55s
